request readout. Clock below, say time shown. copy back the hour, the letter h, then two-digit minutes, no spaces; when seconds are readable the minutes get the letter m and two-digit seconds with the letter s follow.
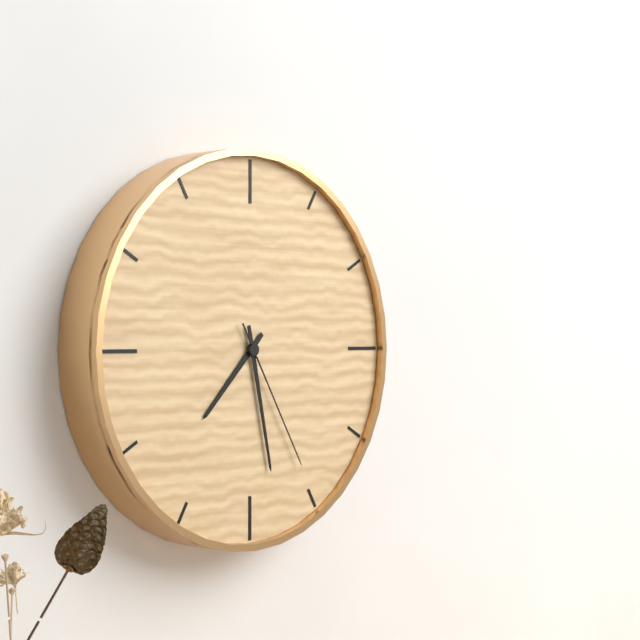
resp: 7h28m25s
